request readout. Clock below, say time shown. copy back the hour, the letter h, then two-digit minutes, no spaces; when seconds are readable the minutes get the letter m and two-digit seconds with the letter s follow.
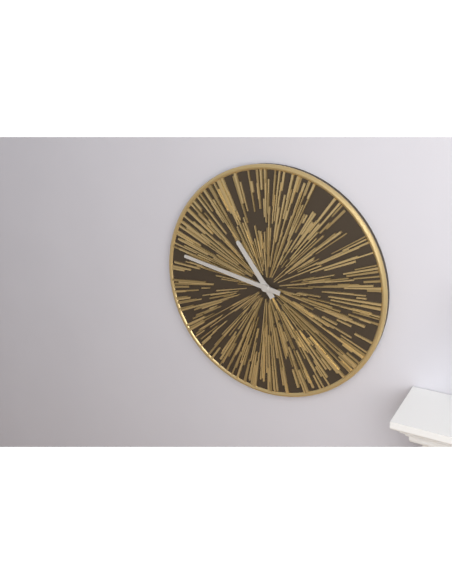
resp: 10h47
